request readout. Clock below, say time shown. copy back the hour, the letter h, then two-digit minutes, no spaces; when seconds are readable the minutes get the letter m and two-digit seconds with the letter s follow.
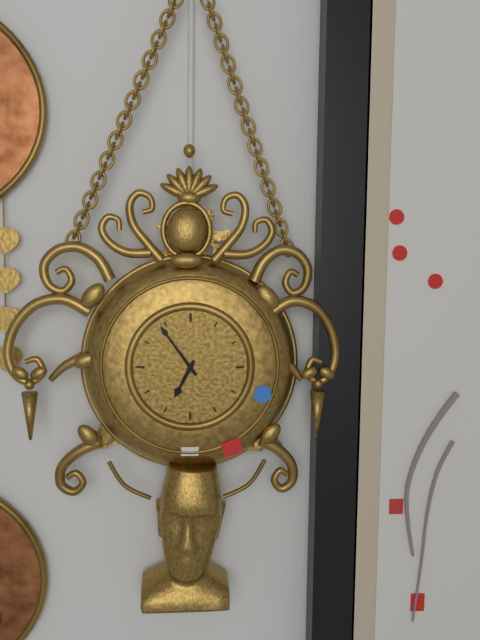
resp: 6h54
